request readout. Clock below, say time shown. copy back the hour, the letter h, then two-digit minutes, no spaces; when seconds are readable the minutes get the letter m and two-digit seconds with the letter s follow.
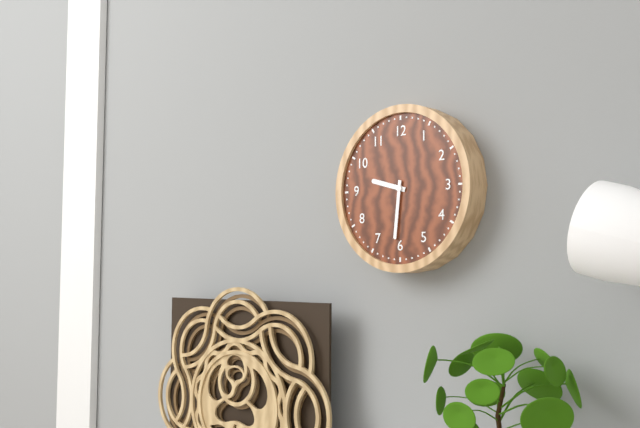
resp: 9h31
